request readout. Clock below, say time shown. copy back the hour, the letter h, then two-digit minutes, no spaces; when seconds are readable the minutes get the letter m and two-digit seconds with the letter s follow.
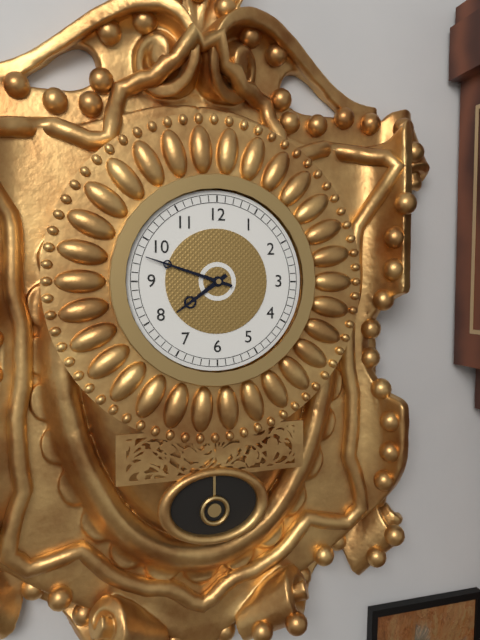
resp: 7h48
